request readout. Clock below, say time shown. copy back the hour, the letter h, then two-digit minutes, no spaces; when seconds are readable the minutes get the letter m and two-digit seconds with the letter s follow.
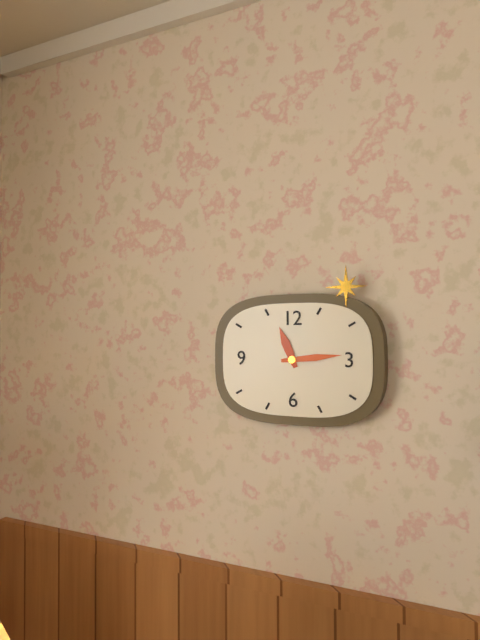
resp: 11h14
